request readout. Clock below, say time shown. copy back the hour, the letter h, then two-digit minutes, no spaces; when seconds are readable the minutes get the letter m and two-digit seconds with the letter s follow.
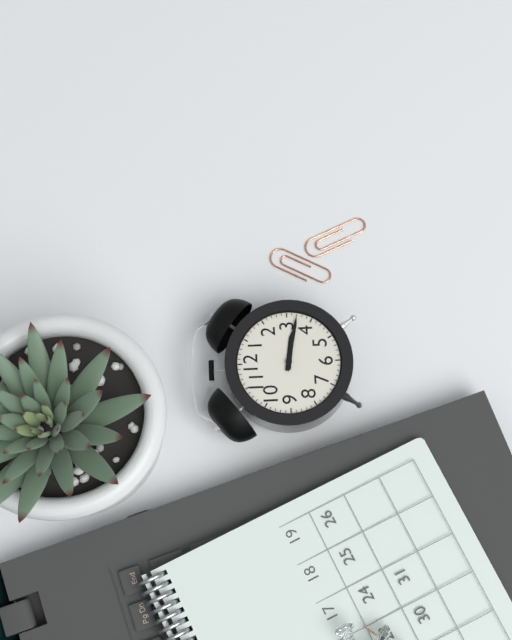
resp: 3h17
